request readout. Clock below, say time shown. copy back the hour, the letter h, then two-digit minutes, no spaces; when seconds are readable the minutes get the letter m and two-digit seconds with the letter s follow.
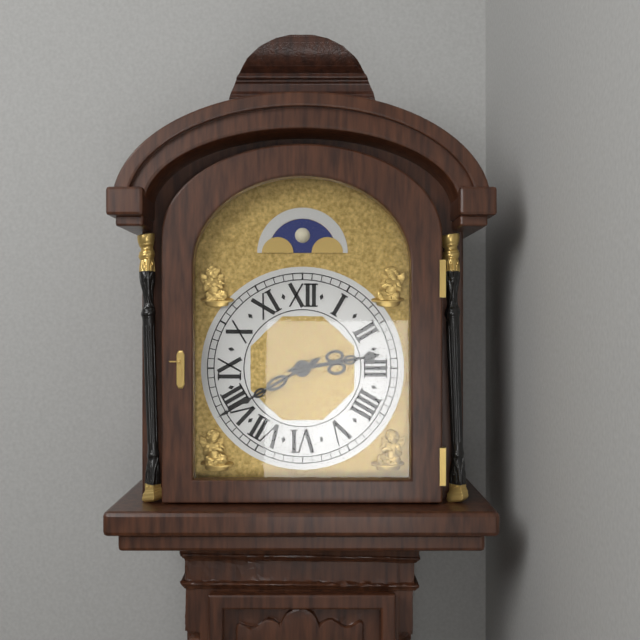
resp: 2h40
